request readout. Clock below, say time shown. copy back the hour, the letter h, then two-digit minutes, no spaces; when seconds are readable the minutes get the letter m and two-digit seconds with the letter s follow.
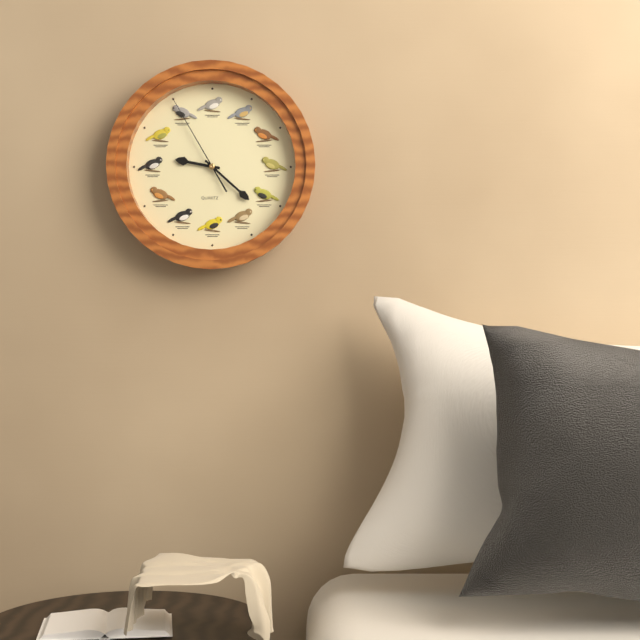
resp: 9h22m55s
